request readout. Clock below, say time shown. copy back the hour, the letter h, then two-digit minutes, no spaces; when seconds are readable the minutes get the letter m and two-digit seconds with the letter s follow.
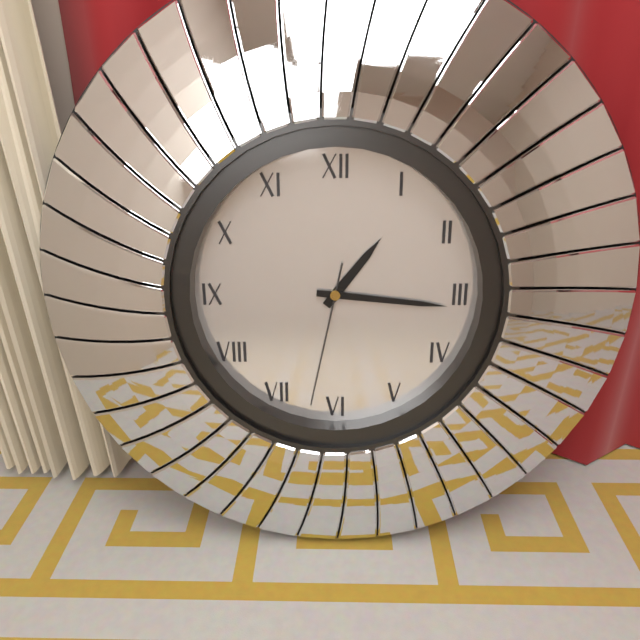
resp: 1h16m32s
